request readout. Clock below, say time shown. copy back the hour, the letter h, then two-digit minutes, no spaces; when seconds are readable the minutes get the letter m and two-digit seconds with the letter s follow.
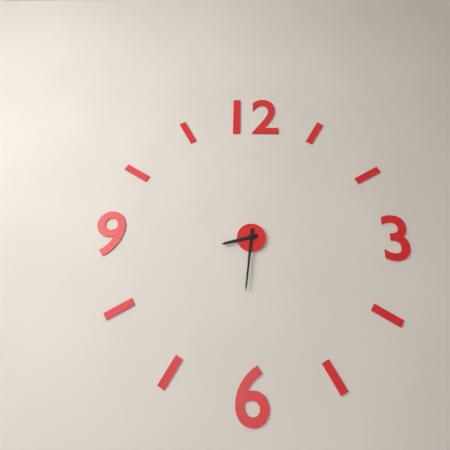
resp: 8h31
